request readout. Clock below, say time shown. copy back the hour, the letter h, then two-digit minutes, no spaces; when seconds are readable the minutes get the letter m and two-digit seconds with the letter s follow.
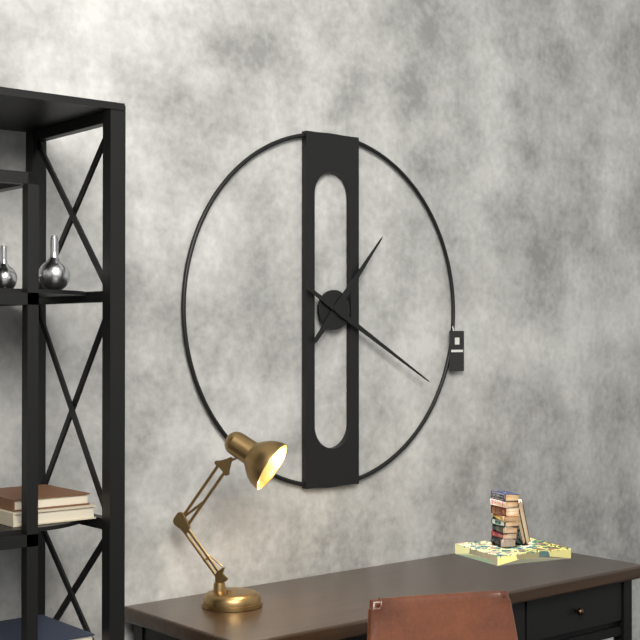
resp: 1h20
